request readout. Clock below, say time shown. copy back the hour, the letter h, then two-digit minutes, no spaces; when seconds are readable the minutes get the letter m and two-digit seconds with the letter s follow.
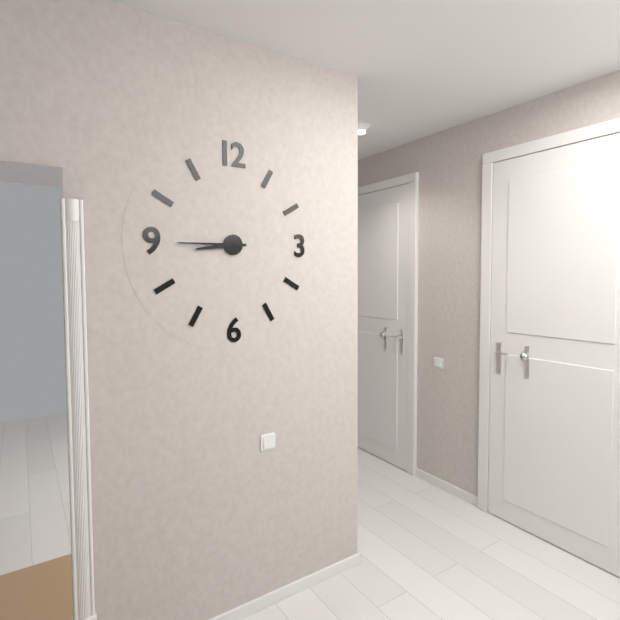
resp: 8h45
